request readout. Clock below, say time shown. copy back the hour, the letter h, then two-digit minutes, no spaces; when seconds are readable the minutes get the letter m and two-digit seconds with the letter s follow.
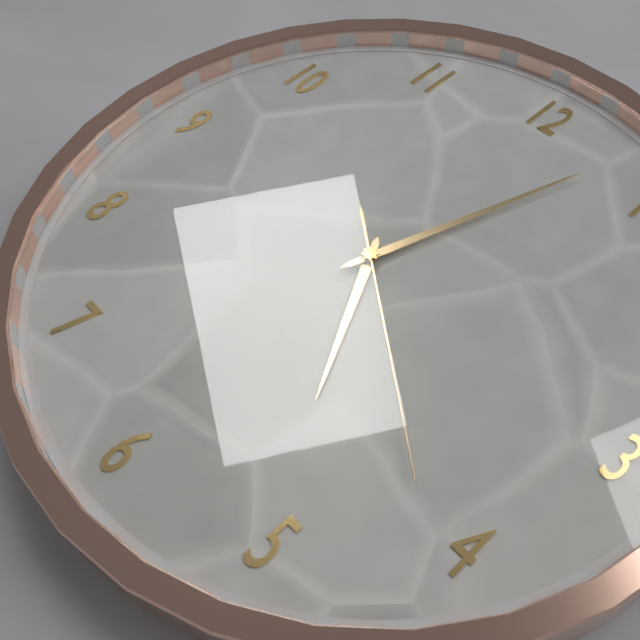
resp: 5h03m21s
